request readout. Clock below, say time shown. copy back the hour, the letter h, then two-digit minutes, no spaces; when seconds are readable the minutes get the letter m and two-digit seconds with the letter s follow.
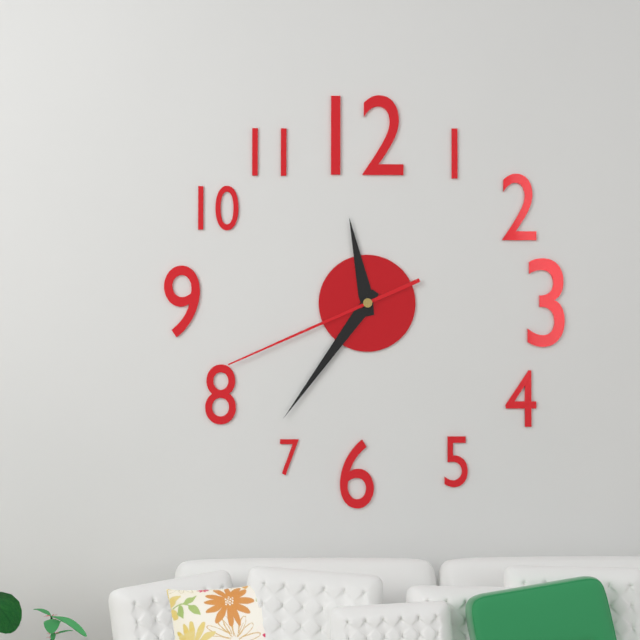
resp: 11h36m41s
